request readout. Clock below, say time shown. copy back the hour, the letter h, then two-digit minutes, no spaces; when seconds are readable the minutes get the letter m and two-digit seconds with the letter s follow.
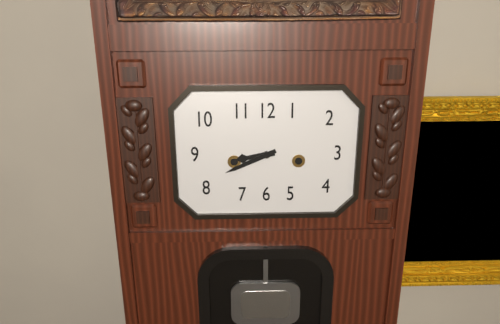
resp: 8h41
